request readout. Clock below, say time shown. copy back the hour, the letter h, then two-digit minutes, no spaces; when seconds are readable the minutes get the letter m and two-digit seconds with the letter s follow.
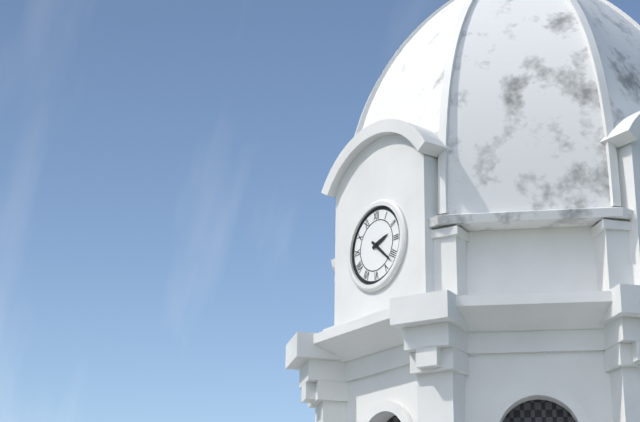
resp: 2h22
